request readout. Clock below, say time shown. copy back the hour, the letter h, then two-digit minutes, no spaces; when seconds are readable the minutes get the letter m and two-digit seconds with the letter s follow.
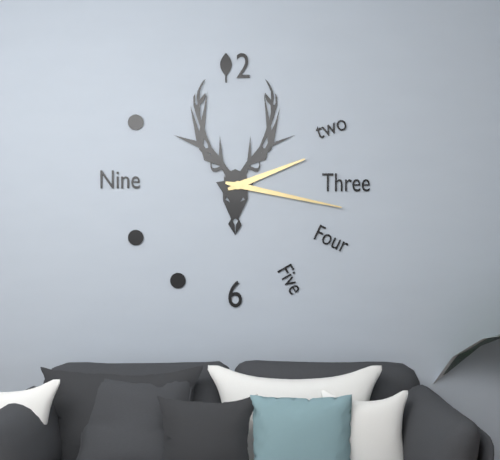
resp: 2h17
